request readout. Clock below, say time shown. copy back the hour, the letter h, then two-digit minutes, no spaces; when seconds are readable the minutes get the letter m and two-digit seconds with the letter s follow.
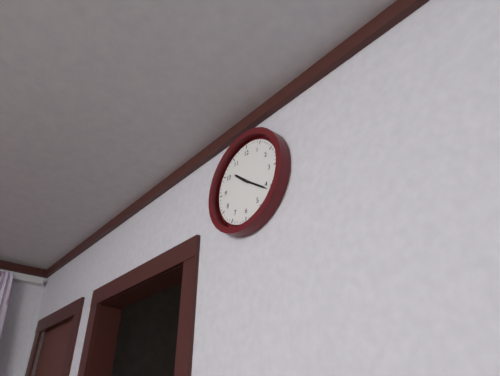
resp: 10h21
